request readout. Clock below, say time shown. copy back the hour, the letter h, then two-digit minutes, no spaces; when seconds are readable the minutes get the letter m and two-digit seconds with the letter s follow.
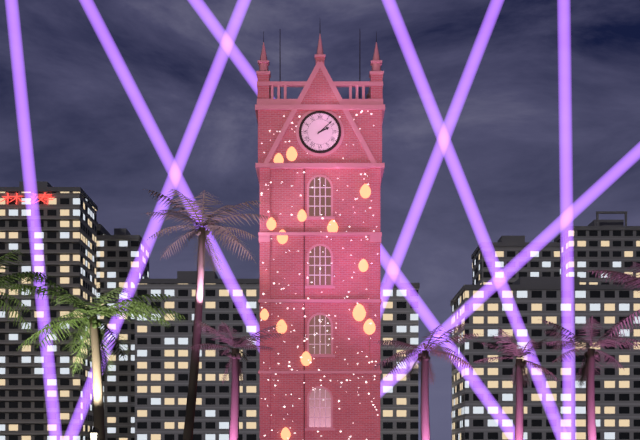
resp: 2h08
